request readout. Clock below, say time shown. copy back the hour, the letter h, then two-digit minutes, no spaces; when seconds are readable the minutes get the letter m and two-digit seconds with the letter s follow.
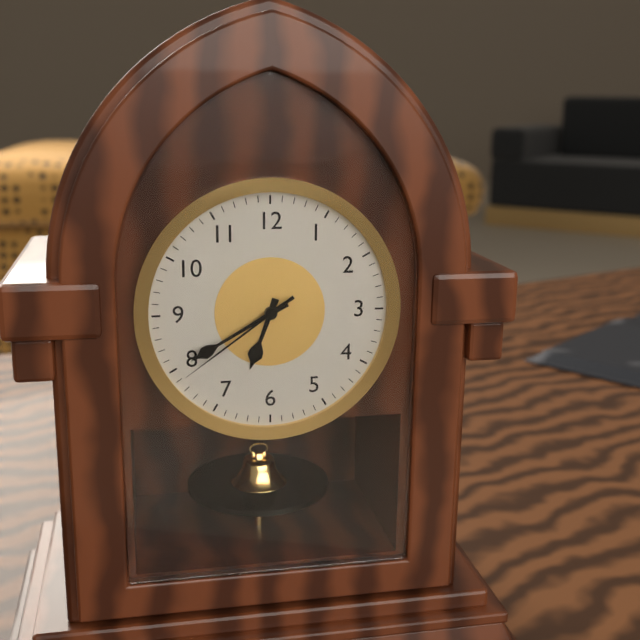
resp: 6h40m39s
